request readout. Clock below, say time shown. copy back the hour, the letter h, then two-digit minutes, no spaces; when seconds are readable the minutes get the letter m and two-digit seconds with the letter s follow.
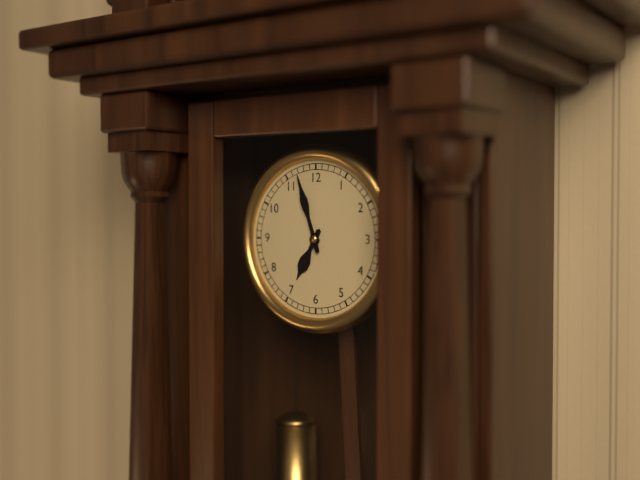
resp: 6h57
